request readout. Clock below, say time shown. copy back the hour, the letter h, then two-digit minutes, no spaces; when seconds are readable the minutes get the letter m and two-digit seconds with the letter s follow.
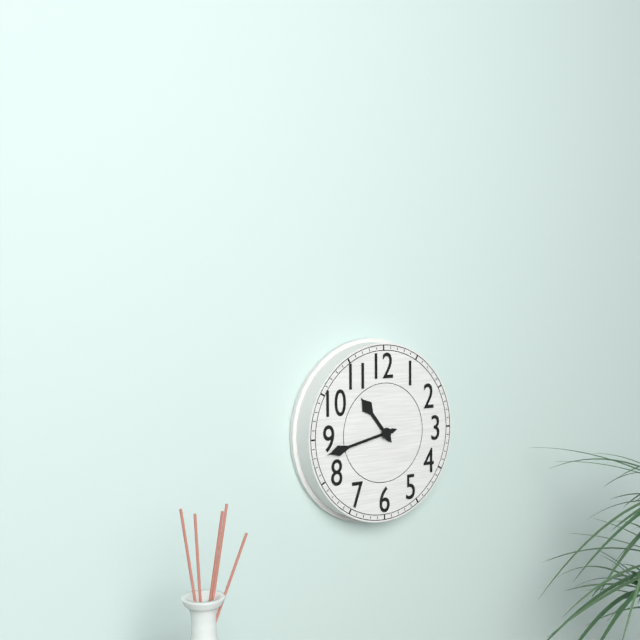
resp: 10h43
